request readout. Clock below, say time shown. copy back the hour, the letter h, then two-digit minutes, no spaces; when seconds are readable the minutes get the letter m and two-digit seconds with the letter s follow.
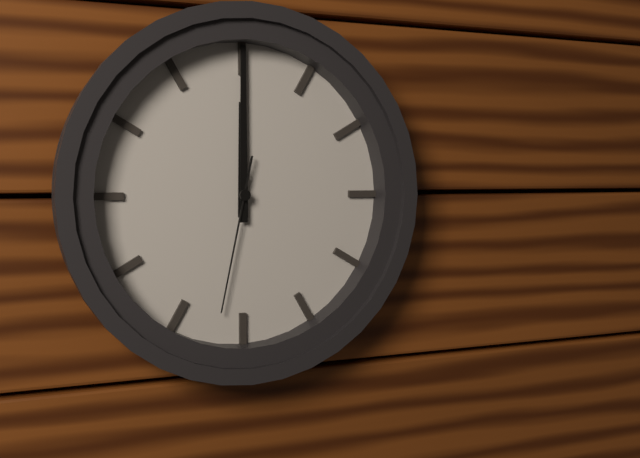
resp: 12h00m32s
